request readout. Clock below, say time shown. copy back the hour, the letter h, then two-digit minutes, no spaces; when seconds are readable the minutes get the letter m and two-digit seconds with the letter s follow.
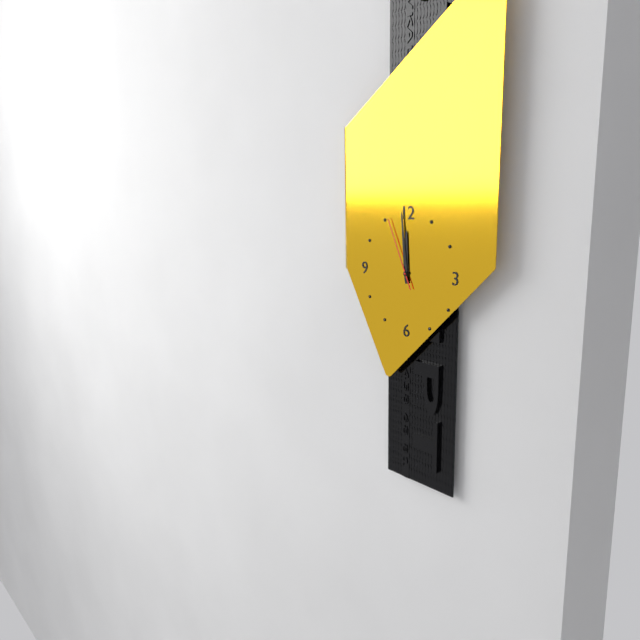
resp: 11h59m56s
